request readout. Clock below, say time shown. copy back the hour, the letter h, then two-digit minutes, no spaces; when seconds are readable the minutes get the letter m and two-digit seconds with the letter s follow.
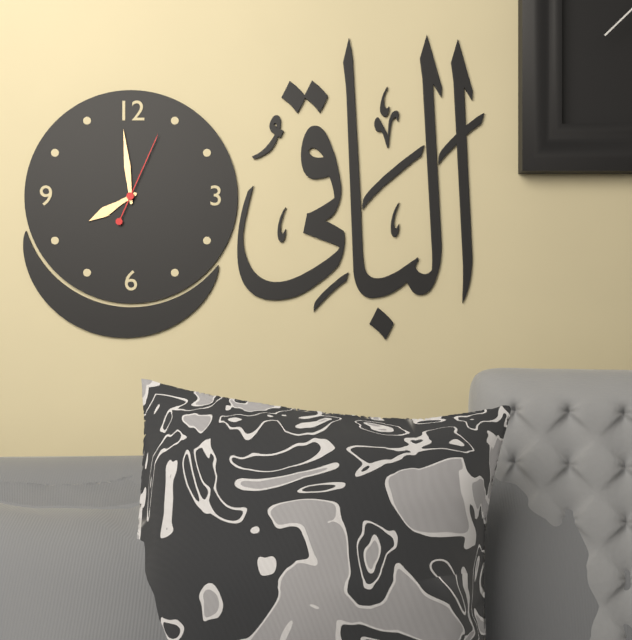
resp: 7h59m04s
